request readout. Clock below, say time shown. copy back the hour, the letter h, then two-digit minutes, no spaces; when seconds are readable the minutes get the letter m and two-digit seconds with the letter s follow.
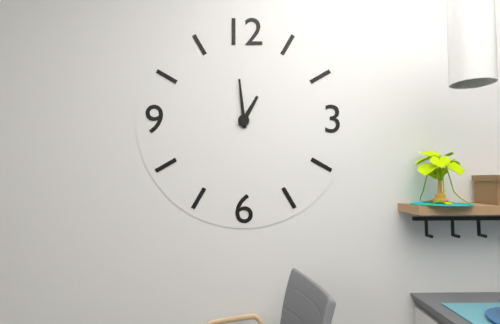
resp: 12h59
